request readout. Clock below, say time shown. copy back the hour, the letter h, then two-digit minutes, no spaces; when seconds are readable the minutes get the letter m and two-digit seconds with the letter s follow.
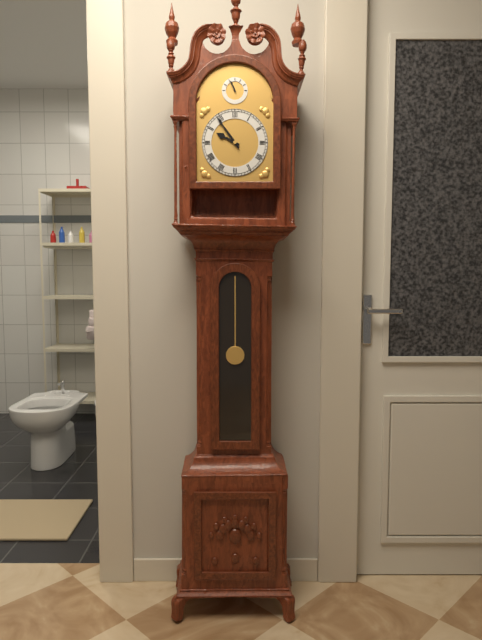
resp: 9h54
